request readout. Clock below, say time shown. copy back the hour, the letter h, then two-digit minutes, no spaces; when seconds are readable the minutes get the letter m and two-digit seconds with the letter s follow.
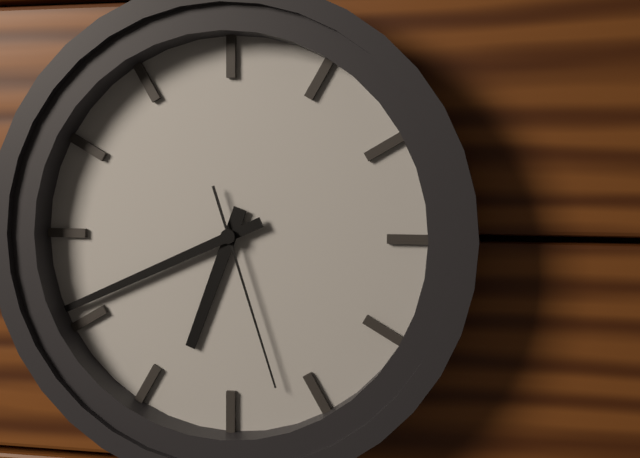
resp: 6h41m27s
